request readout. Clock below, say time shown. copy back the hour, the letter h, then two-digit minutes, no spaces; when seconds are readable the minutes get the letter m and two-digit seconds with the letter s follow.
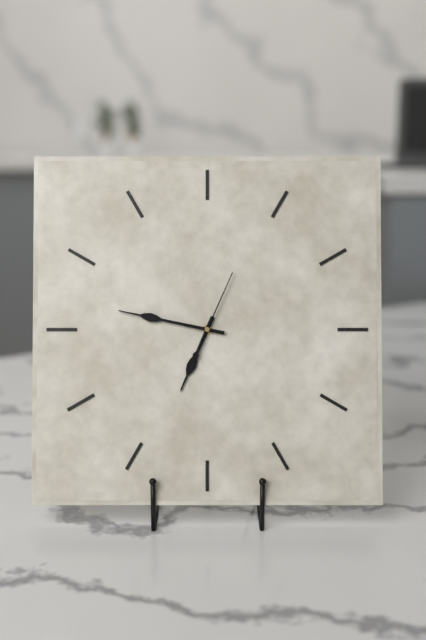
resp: 6h47m04s
